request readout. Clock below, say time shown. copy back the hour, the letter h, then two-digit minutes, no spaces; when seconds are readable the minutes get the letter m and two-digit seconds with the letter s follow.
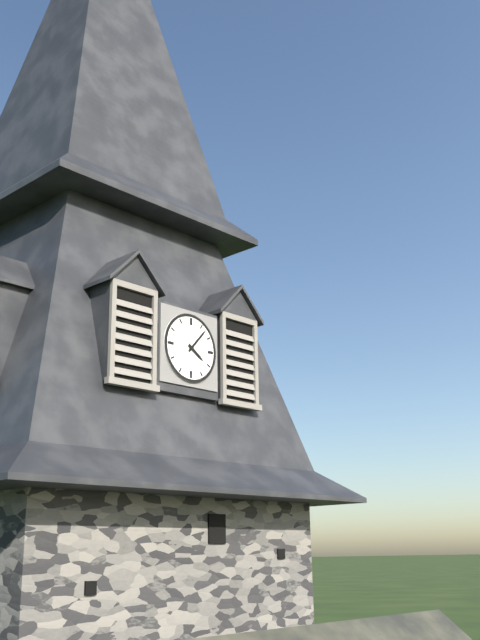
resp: 4h07
